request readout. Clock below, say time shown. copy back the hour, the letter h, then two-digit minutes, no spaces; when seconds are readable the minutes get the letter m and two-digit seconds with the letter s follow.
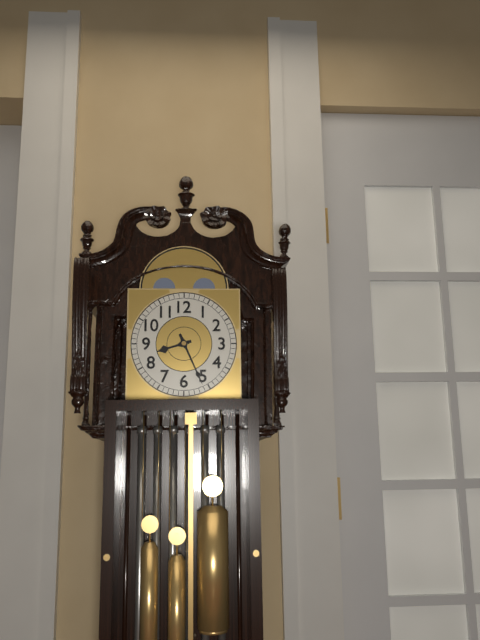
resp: 8h26
